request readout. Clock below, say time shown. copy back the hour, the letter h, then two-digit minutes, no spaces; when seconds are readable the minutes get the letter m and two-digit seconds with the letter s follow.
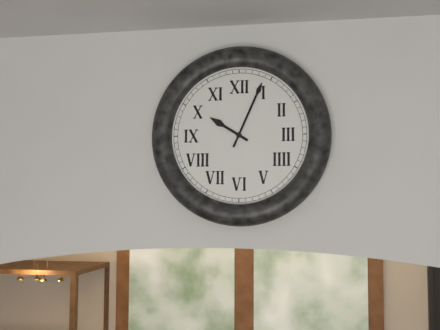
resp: 10h04
